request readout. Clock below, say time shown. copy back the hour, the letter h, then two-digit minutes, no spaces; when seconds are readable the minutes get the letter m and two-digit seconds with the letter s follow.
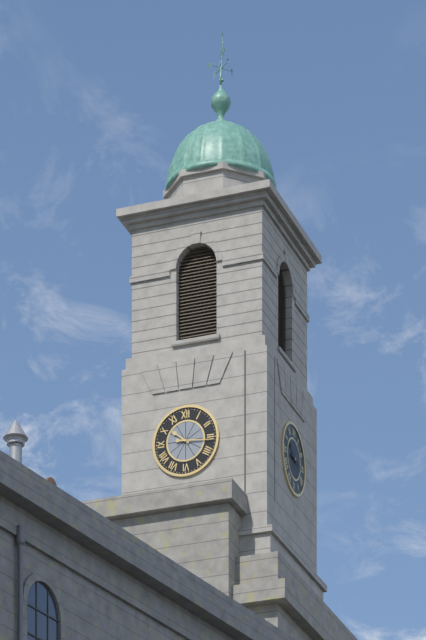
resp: 10h16
